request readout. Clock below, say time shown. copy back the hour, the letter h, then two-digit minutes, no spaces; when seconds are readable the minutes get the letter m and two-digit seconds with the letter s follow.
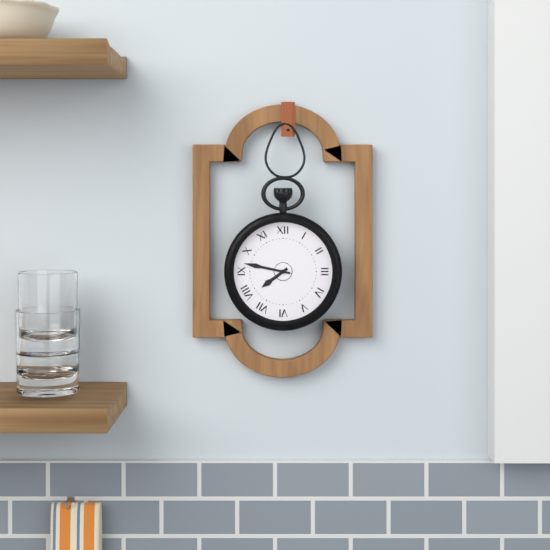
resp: 7h47
